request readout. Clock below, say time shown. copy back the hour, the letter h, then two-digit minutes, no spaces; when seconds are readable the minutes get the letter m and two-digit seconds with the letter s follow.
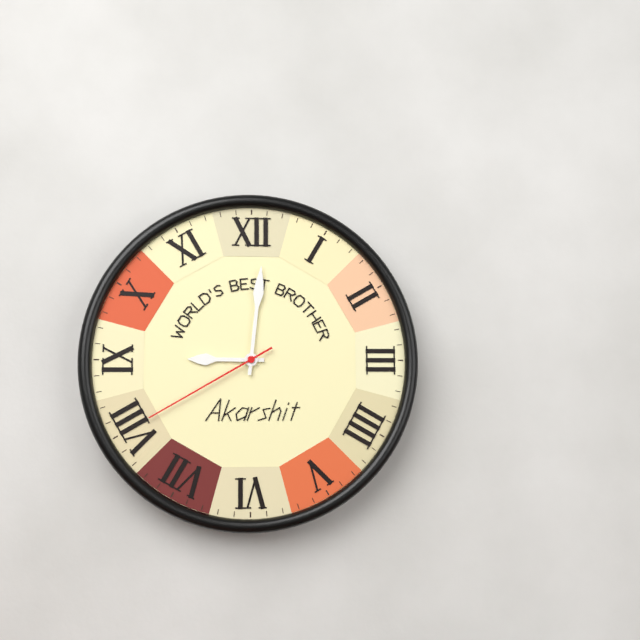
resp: 9h01m40s
